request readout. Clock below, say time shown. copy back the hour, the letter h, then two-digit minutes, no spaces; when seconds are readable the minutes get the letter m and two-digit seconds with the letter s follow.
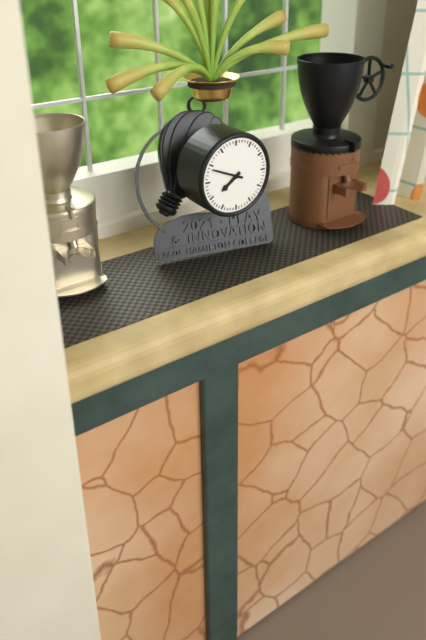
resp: 7h49
